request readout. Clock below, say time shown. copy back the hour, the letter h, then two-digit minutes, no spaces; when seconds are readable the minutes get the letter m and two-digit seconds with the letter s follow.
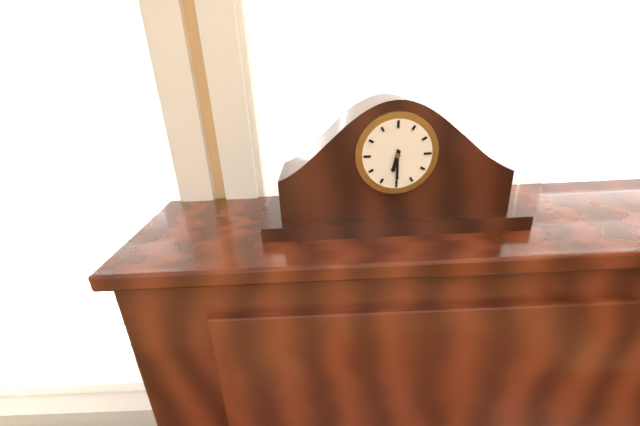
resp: 6h30
